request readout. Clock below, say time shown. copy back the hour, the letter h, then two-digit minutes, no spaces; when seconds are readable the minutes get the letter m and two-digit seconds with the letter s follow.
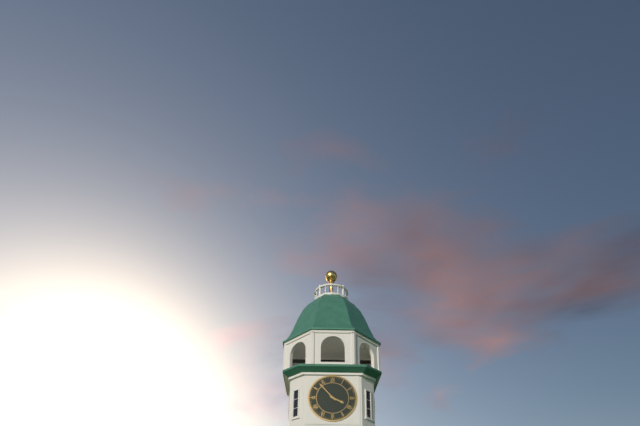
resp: 3h53
